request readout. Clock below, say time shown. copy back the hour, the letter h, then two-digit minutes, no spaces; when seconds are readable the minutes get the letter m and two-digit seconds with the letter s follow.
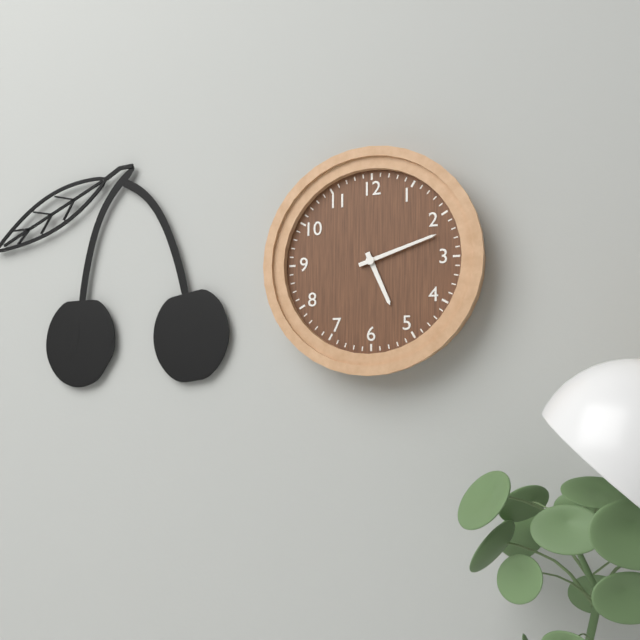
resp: 5h12
